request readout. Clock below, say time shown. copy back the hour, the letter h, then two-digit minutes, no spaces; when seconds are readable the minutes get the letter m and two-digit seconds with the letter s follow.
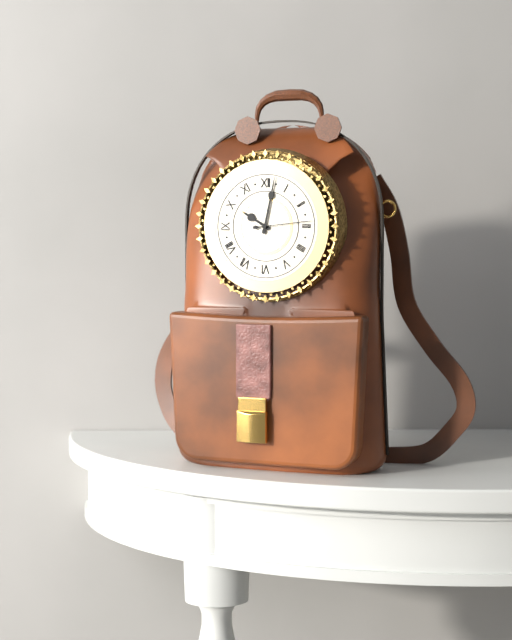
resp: 10h02m14s
